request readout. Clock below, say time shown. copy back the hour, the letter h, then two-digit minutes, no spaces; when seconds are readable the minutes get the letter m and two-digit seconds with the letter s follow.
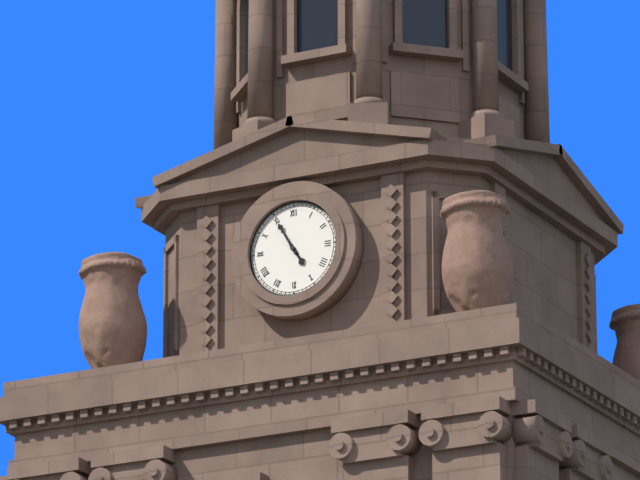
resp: 4h55
